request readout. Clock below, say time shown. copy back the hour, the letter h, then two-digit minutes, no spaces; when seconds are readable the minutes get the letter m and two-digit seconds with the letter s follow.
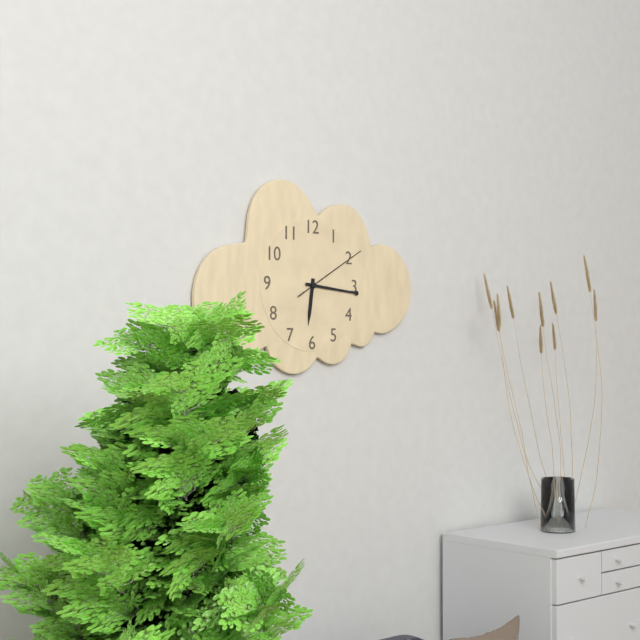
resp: 6h16m10s
